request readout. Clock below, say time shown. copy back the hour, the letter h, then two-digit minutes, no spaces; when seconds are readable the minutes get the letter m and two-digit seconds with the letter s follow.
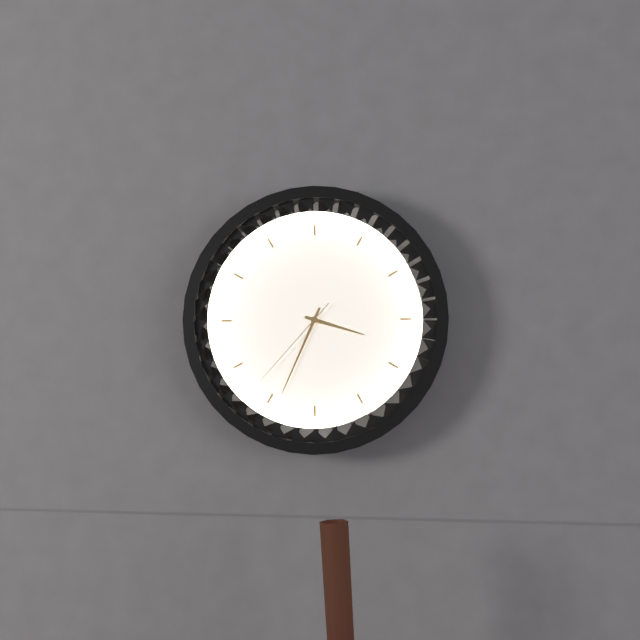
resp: 3h34m37s
